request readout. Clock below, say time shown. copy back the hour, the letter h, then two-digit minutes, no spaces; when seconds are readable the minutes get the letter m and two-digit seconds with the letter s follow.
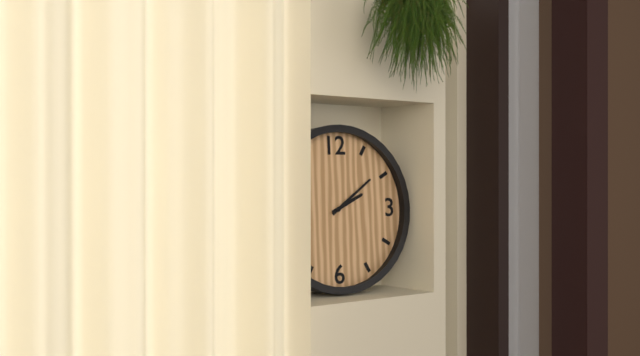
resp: 2h09
